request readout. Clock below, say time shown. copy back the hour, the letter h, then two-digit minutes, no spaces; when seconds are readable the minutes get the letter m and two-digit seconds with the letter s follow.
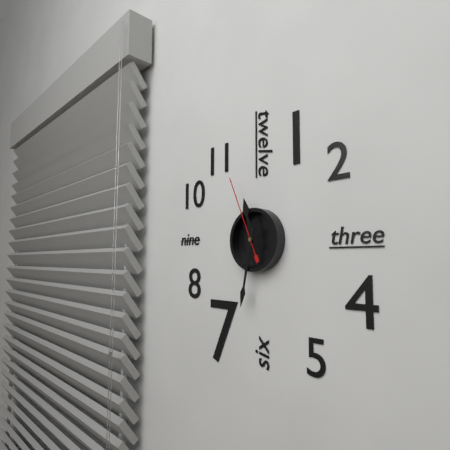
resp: 11h32m56s
